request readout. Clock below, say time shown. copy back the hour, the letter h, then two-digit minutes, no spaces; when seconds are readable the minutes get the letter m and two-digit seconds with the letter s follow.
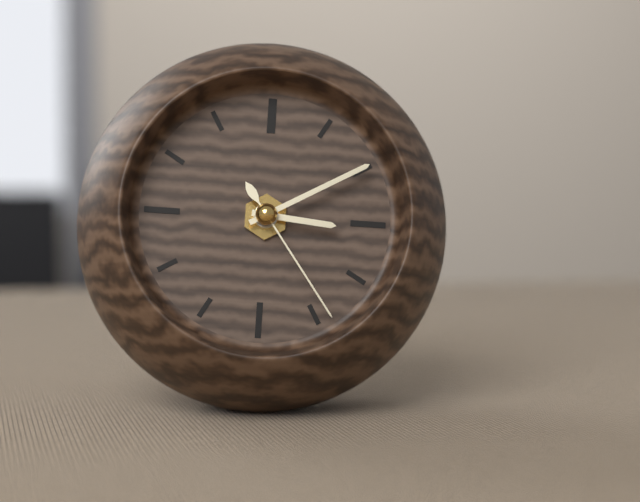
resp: 3h10m24s
